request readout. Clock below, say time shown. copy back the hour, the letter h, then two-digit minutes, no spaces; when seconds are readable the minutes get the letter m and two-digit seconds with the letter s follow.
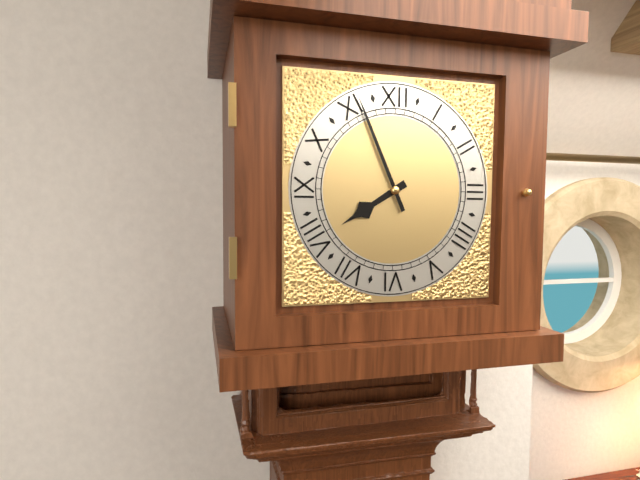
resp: 7h56
